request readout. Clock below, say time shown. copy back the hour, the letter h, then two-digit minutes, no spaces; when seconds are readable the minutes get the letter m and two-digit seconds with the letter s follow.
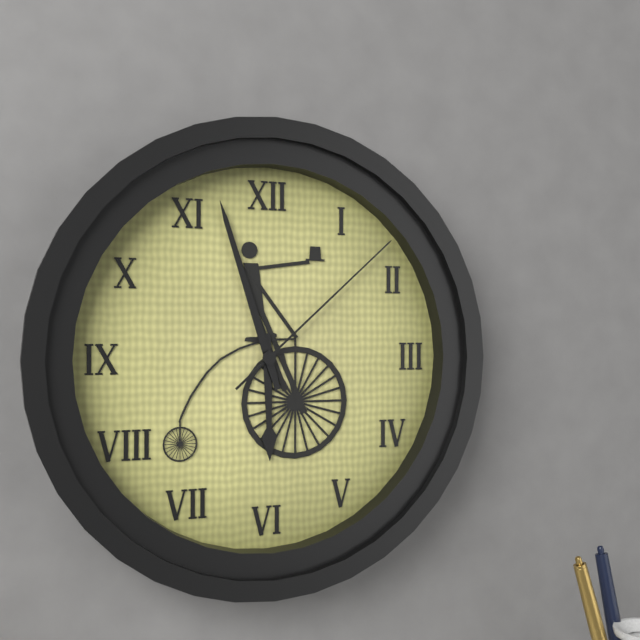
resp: 5h57m08s
